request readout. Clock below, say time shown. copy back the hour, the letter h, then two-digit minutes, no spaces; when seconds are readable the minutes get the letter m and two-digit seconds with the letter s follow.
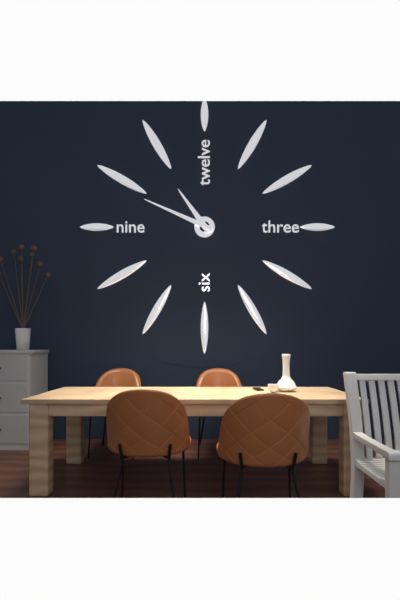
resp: 10h49
